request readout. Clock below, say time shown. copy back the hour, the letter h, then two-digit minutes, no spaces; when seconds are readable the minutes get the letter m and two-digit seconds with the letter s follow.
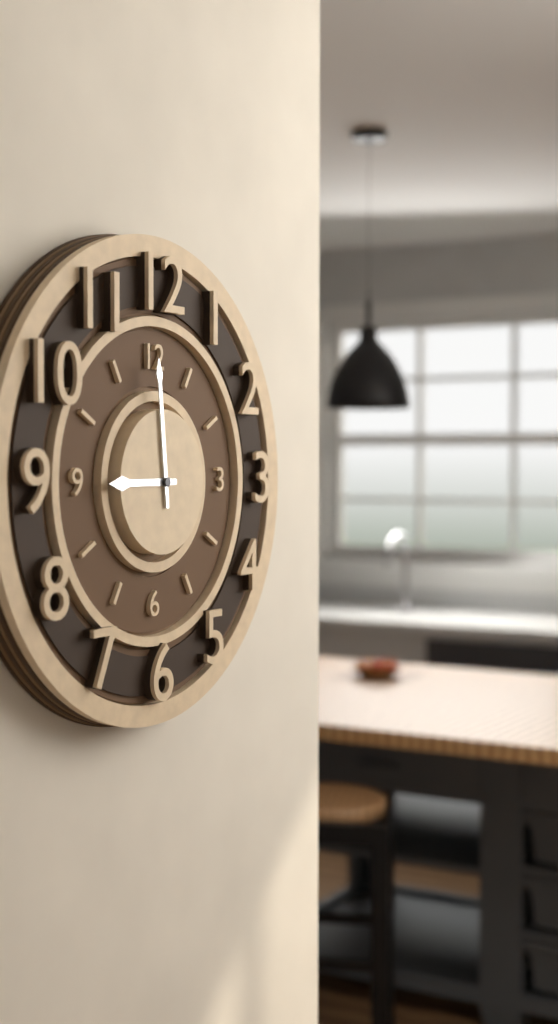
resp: 8h59
